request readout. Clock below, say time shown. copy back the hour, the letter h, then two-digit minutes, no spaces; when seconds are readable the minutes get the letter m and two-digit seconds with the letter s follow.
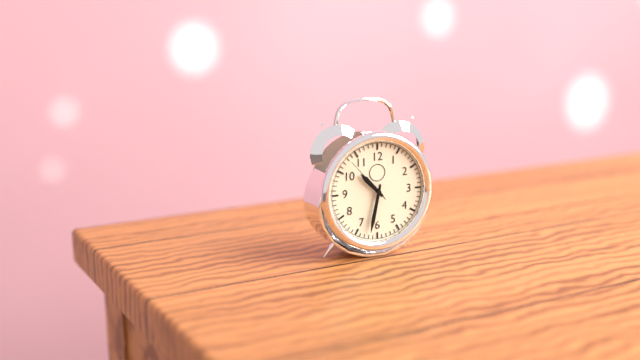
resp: 10h32
